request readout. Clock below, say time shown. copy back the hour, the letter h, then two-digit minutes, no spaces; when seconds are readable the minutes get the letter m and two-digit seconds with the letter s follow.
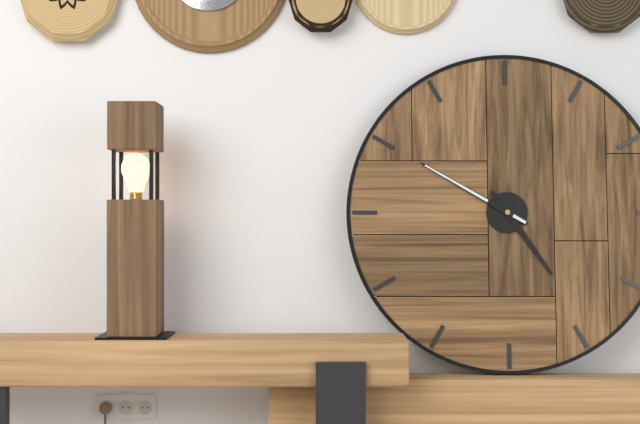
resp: 4h50
